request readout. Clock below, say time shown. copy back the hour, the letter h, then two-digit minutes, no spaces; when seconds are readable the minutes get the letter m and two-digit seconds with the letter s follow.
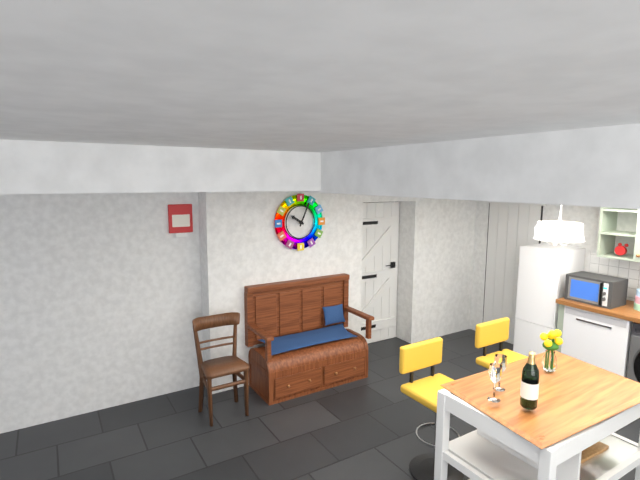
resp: 10h04
